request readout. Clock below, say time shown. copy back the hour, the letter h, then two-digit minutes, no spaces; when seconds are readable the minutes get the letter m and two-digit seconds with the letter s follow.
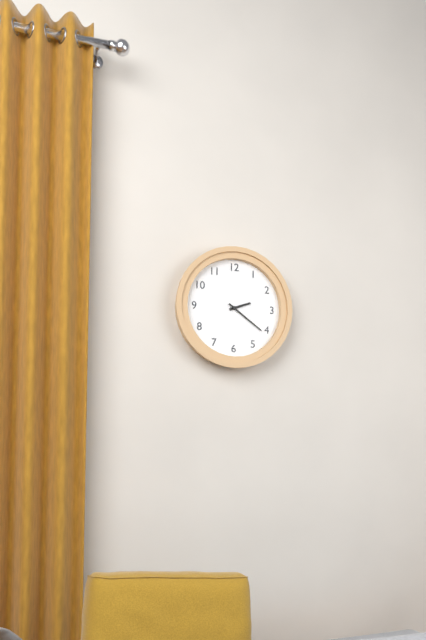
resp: 2h21
